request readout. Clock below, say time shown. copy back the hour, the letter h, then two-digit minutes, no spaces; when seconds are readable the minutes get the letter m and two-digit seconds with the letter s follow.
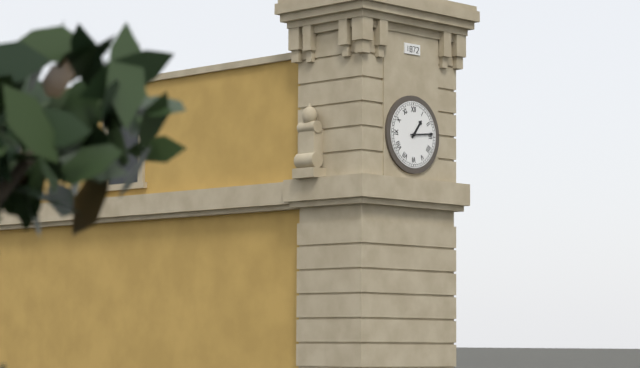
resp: 1h14
